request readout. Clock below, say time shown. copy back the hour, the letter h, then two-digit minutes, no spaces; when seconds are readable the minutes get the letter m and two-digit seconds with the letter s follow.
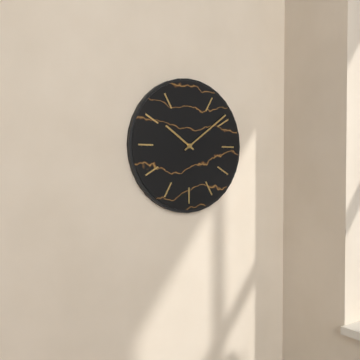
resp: 10h09
